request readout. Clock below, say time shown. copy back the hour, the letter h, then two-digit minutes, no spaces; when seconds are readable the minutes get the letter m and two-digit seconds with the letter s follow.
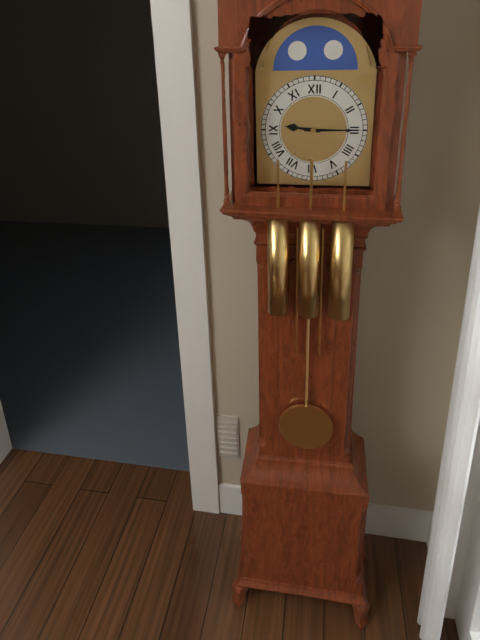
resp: 9h15
